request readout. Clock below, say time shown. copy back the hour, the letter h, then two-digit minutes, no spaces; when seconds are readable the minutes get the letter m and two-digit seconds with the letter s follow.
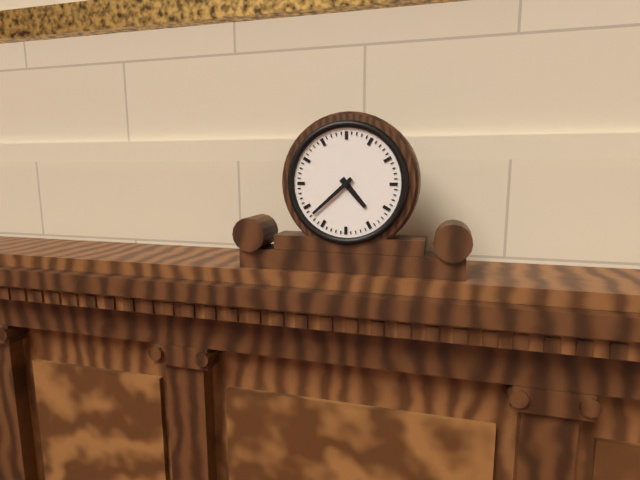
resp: 4h38
